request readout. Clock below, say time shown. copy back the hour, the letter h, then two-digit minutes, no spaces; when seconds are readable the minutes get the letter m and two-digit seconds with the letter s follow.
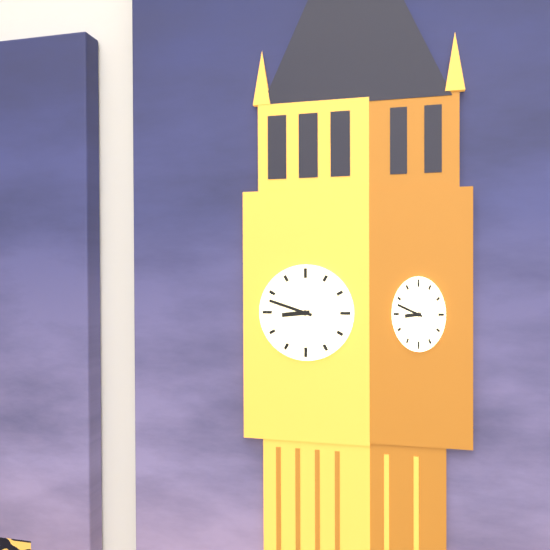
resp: 8h48
